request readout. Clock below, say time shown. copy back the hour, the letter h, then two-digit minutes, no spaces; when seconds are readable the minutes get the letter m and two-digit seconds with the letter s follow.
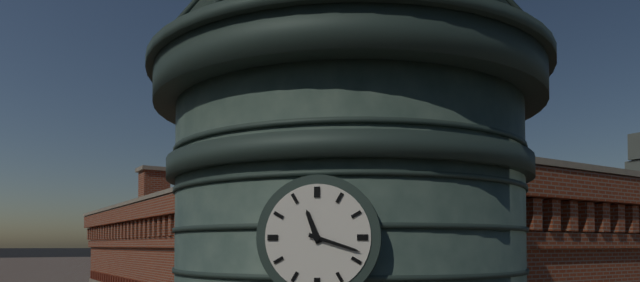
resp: 11h18
